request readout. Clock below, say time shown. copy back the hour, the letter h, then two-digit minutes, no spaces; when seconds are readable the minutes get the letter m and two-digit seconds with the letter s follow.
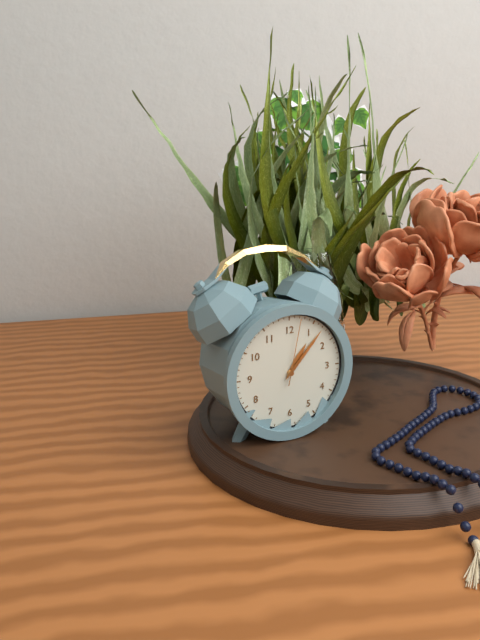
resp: 1h07m02s
